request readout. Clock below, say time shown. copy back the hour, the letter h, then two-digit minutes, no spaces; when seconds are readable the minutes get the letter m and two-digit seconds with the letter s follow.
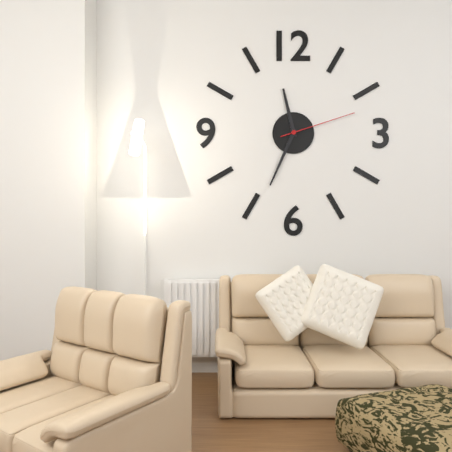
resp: 11h34m12s
